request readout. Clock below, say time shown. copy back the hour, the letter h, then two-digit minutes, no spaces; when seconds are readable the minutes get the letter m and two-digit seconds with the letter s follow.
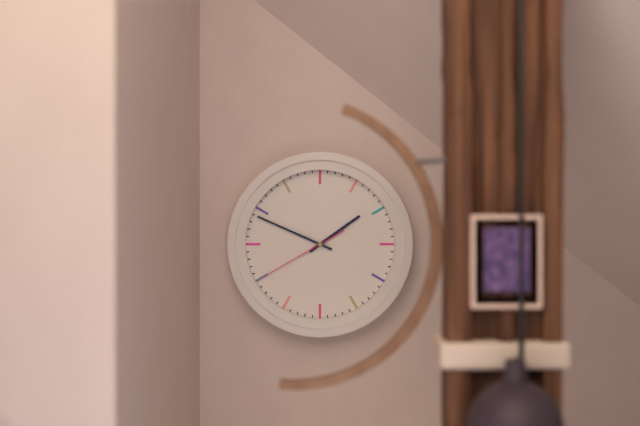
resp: 1h49m40s
